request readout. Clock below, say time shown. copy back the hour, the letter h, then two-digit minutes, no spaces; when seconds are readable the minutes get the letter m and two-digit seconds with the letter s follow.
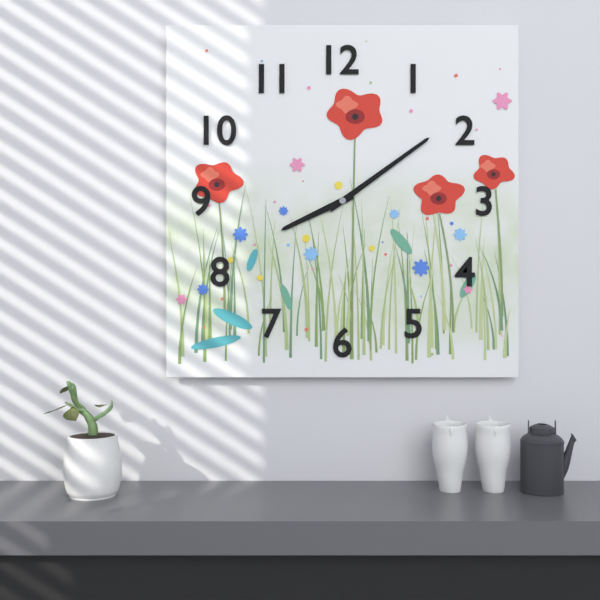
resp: 8h09
